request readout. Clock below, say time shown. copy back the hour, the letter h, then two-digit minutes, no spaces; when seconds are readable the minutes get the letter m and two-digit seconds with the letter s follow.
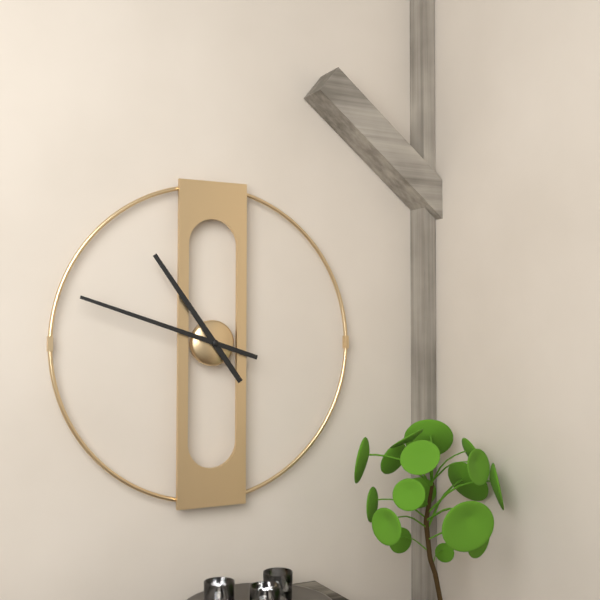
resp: 10h48
